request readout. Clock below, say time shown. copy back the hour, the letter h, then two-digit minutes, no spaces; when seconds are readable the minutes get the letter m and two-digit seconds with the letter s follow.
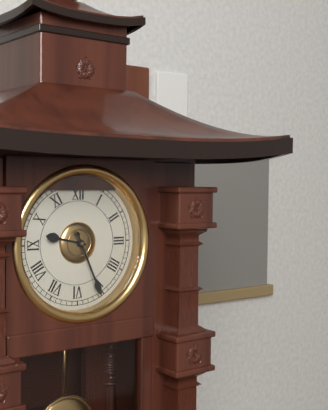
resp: 9h26
